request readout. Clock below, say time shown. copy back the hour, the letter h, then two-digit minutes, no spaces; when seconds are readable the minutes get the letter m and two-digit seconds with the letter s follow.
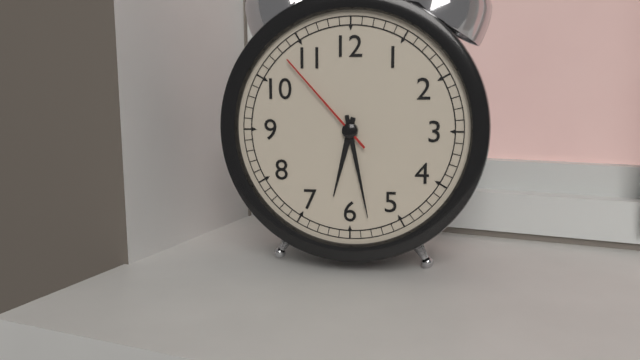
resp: 6h28m53s
